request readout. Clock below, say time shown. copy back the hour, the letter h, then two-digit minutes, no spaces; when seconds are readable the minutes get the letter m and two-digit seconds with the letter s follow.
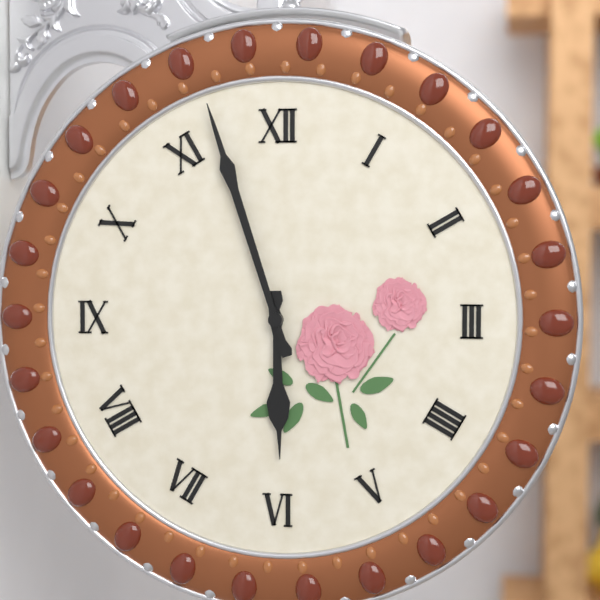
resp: 5h57
